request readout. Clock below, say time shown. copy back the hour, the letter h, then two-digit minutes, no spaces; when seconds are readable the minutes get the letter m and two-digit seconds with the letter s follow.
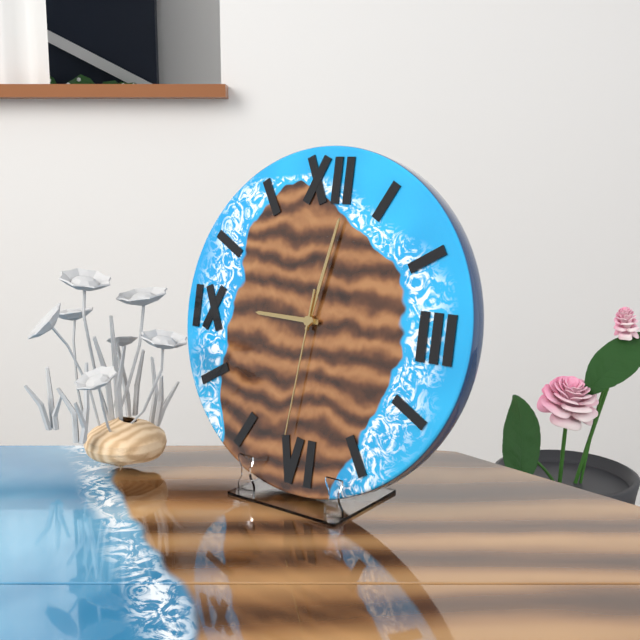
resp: 9h02m31s
